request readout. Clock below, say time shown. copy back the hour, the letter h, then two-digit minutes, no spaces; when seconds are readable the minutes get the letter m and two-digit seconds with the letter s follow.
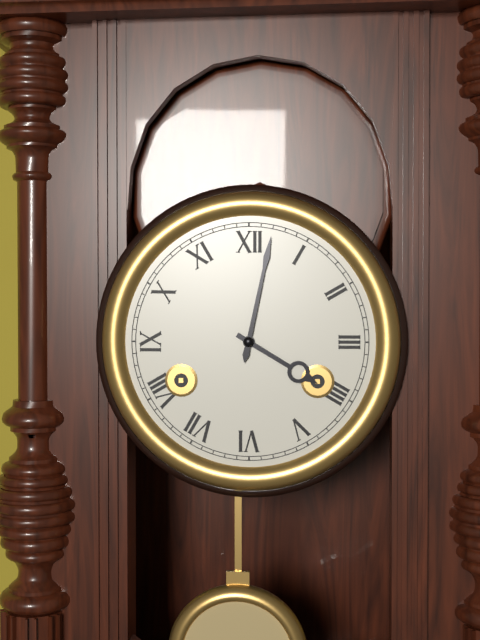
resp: 4h02
